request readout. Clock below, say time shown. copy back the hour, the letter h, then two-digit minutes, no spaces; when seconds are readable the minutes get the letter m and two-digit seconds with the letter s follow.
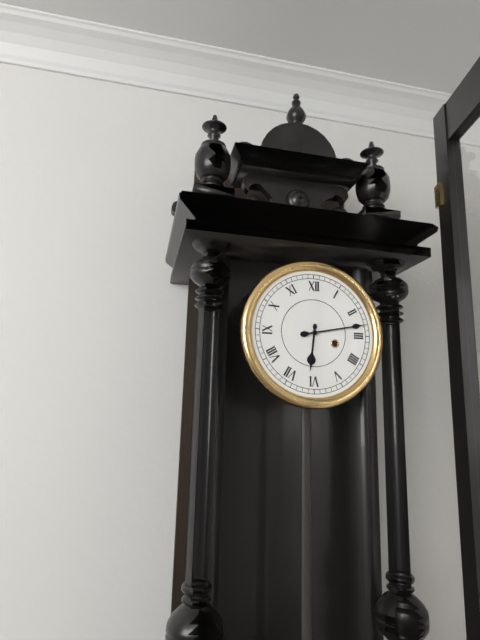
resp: 6h13
